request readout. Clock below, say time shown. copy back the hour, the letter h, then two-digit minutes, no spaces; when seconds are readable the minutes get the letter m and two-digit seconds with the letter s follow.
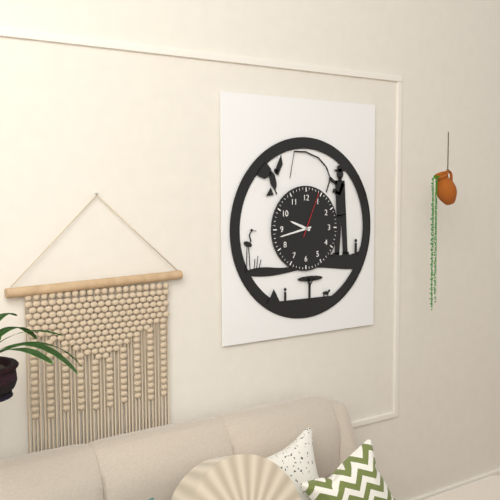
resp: 9h43
